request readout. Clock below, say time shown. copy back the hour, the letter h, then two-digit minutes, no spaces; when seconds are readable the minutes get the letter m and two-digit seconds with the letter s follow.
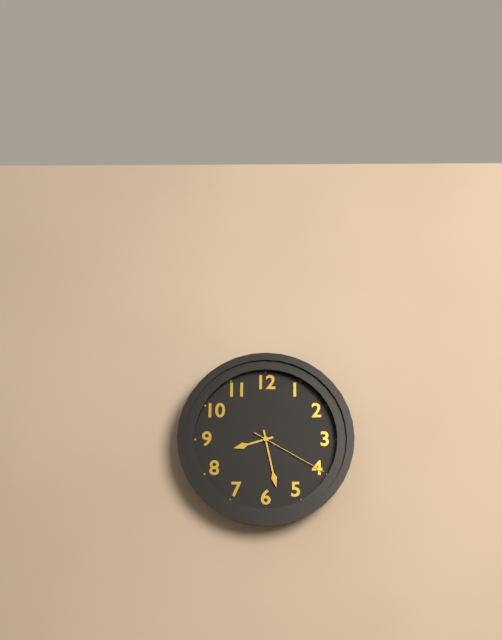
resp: 8h28m20s
